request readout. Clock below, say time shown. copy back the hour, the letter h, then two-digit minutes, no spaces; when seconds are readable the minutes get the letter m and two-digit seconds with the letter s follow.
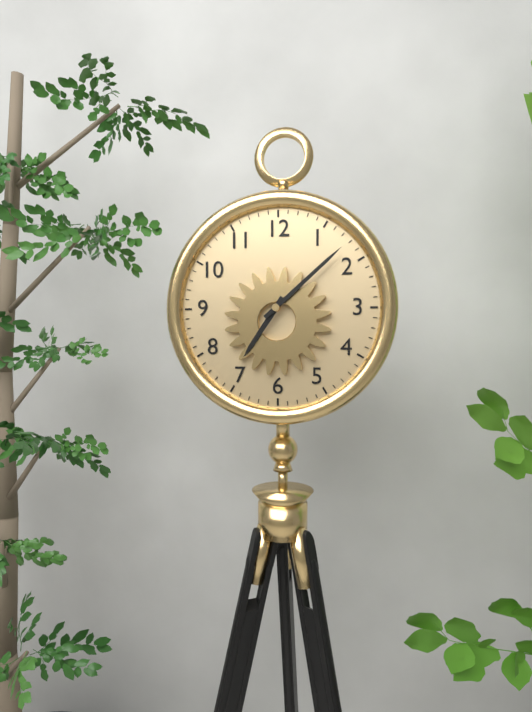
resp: 7h08
